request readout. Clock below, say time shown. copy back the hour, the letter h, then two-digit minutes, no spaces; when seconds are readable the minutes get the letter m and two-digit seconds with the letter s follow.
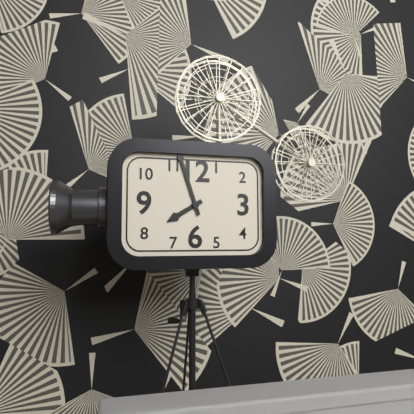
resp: 7h57
